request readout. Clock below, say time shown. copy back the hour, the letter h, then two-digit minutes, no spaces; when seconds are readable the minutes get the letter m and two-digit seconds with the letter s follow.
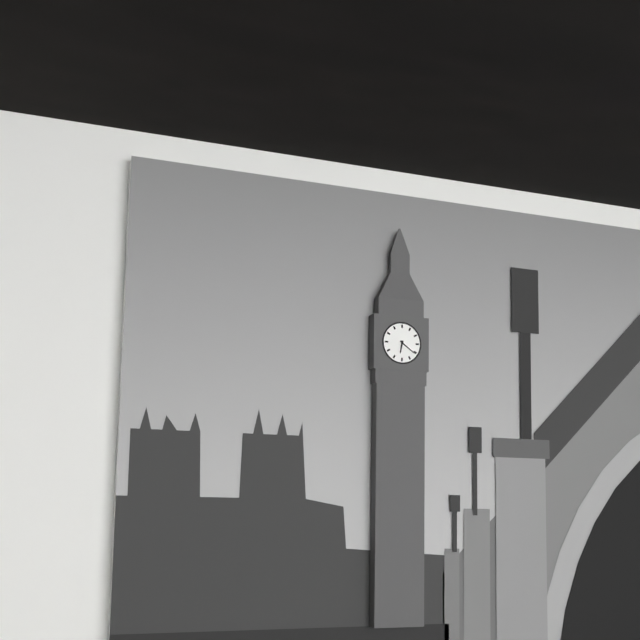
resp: 6h21
